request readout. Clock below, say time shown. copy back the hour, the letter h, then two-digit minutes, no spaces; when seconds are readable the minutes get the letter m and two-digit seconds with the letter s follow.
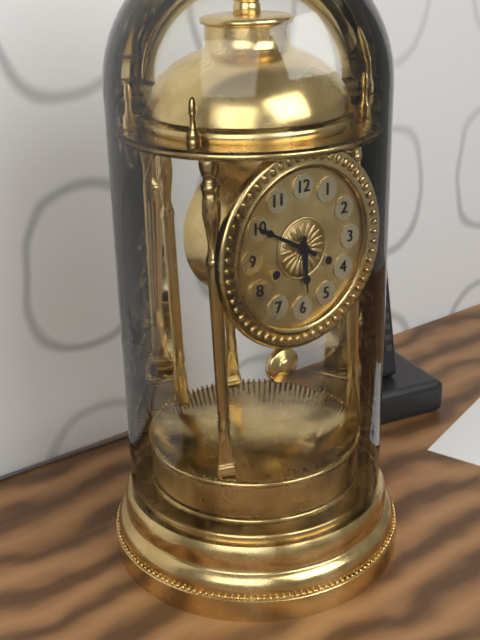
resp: 5h50
